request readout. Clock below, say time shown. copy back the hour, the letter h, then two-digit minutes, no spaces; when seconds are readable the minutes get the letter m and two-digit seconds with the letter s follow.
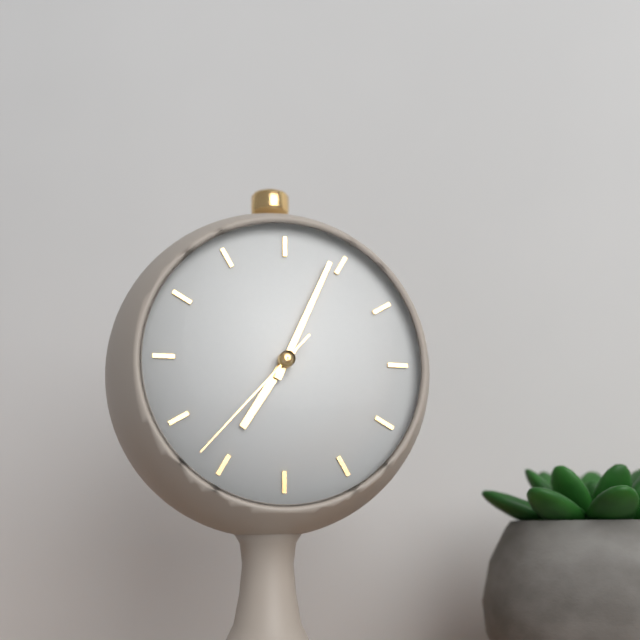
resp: 7h04m37s
